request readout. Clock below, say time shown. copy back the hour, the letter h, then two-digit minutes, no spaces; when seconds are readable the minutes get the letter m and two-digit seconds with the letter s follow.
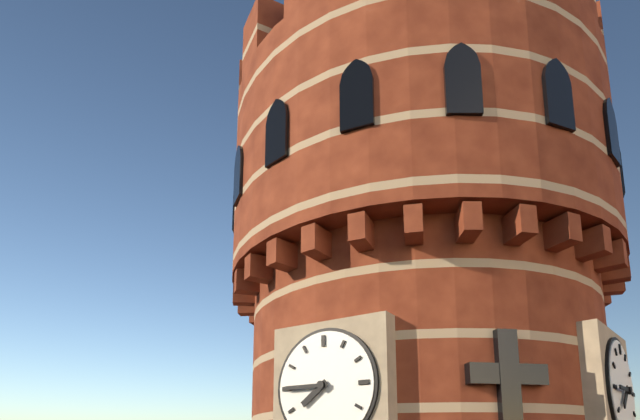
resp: 7h45
